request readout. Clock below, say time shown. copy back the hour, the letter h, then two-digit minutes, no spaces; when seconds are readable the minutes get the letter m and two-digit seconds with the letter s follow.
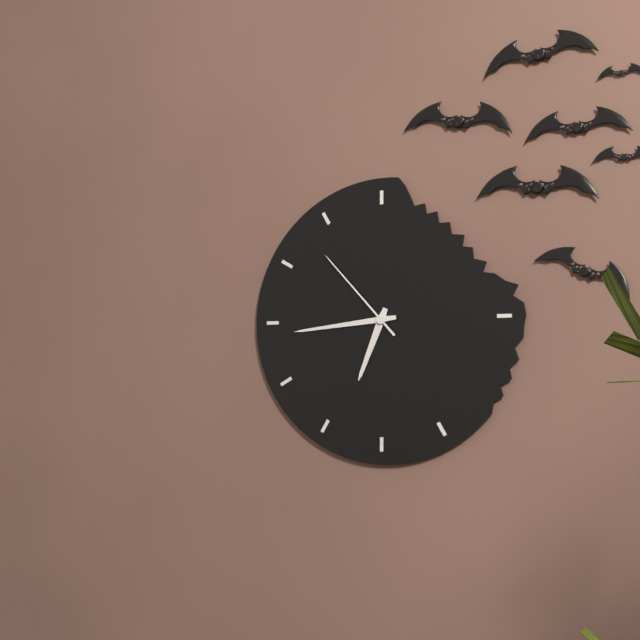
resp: 6h44m53s
